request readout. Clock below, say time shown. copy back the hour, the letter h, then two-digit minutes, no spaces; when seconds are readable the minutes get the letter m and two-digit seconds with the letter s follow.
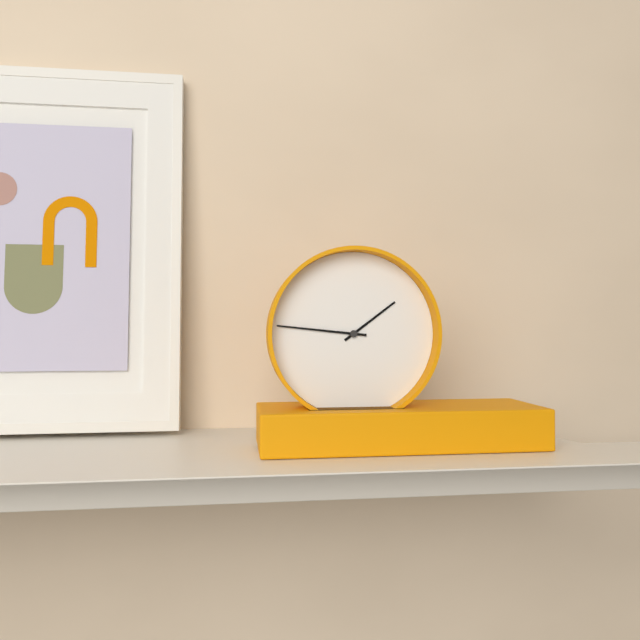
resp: 1h46
